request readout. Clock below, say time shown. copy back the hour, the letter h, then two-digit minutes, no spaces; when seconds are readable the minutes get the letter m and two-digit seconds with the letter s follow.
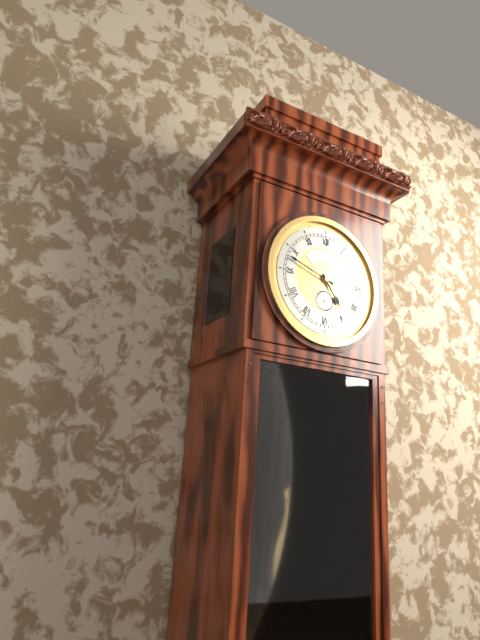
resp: 4h48
